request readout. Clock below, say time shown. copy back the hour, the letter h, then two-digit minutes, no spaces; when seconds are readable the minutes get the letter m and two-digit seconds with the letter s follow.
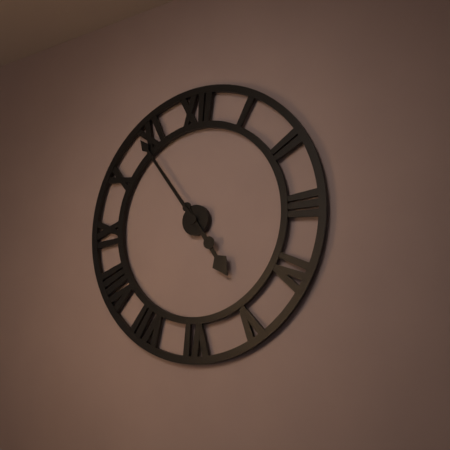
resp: 4h54
